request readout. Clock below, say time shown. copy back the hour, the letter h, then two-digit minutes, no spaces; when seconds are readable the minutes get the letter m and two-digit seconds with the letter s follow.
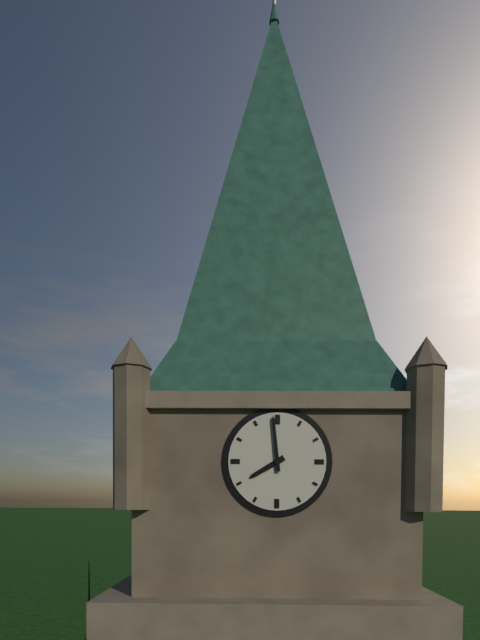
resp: 7h59
